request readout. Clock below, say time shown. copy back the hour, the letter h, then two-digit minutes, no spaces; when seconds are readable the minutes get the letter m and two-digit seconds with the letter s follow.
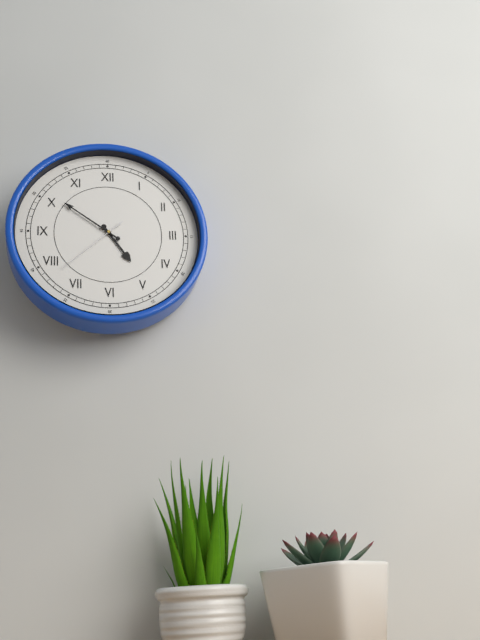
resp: 4h51m38s
